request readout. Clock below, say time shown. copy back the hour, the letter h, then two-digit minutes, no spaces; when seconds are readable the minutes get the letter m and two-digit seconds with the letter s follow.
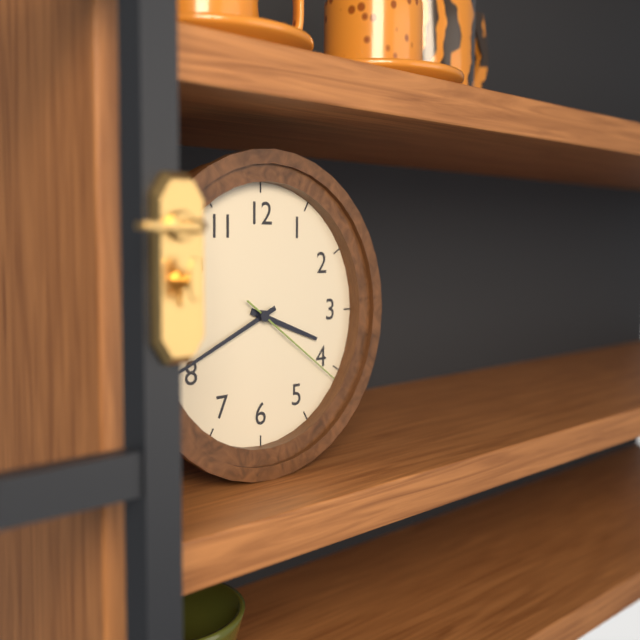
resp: 3h41m21s
